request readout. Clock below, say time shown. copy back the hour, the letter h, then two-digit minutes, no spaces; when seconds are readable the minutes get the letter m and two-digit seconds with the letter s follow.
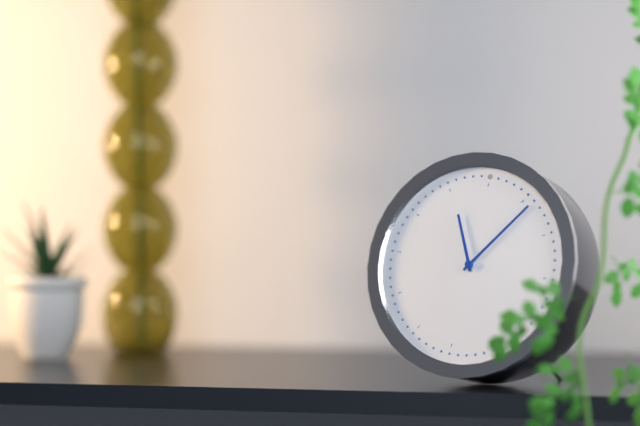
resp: 11h06
